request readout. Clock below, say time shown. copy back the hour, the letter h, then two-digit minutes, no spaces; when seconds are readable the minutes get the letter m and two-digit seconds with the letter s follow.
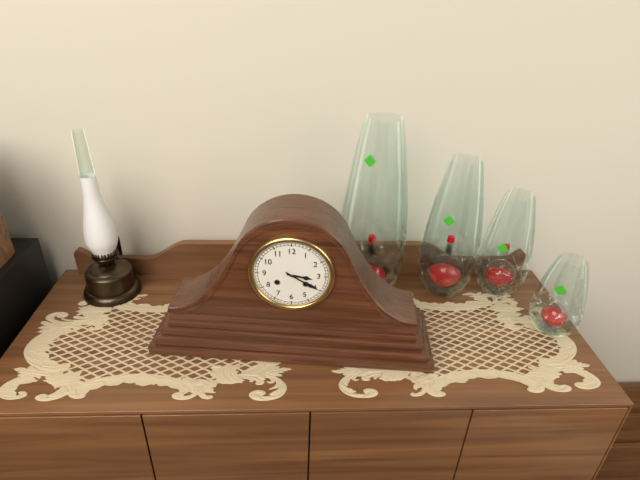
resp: 3h20
